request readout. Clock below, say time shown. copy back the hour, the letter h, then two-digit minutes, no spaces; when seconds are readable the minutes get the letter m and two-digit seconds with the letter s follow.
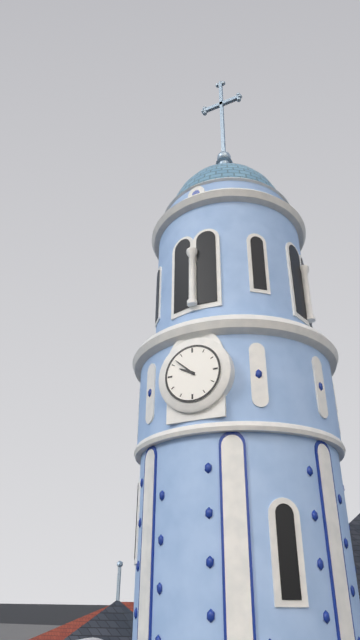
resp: 9h52
